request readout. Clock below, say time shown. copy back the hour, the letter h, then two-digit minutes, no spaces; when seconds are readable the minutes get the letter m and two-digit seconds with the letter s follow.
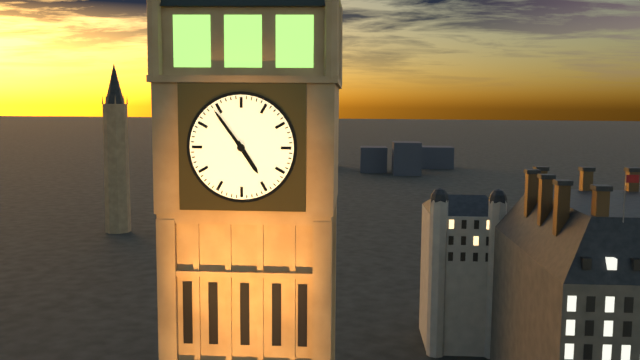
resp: 4h54
